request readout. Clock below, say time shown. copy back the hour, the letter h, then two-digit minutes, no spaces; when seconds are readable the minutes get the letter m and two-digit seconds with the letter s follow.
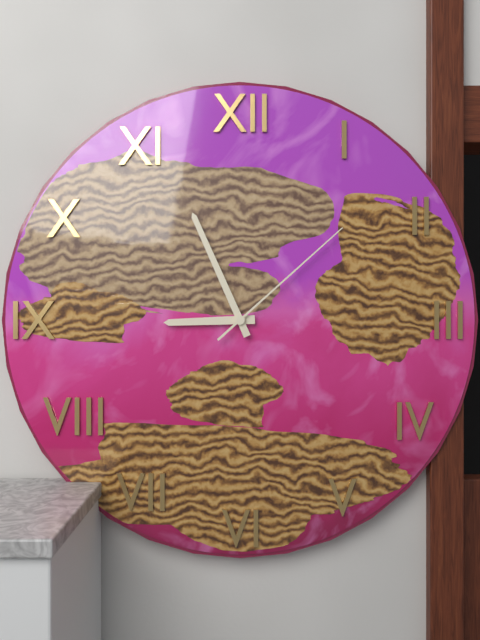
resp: 8h56m08s
